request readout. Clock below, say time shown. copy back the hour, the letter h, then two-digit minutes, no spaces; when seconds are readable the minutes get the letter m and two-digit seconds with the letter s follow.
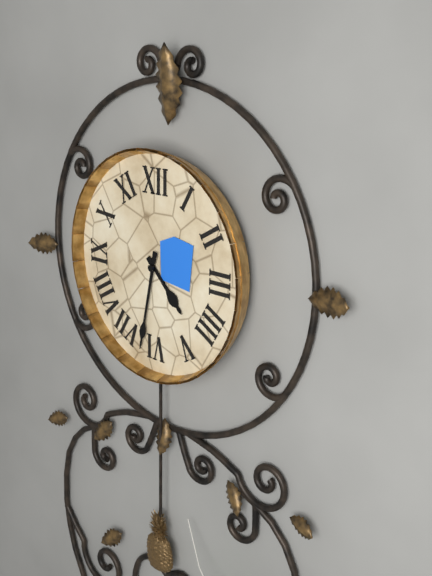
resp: 4h32
